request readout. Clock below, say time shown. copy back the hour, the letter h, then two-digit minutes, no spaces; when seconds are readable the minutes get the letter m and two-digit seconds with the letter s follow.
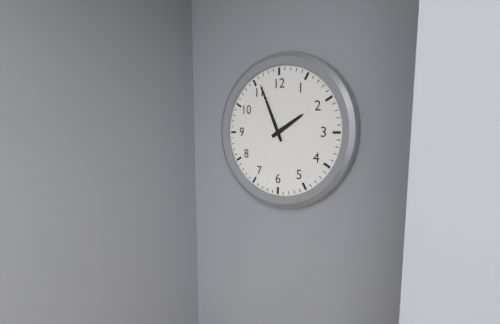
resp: 1h56
